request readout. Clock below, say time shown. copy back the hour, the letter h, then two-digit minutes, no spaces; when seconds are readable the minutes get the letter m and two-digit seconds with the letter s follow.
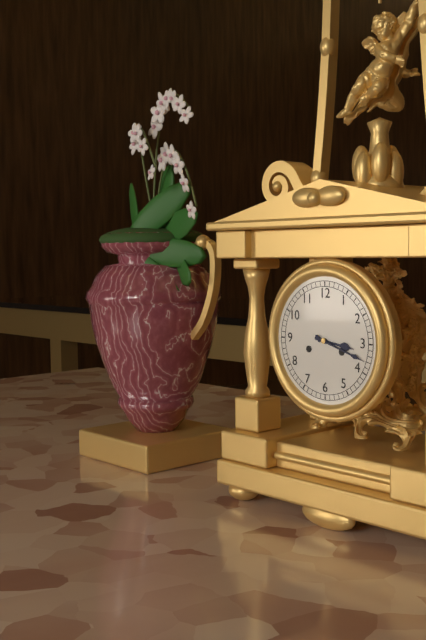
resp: 3h18
